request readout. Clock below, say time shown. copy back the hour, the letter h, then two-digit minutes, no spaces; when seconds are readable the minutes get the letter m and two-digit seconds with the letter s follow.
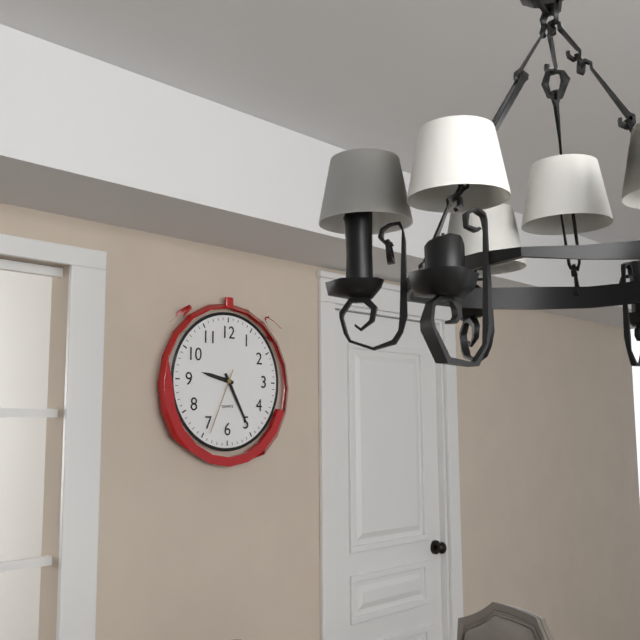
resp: 9h25m34s
